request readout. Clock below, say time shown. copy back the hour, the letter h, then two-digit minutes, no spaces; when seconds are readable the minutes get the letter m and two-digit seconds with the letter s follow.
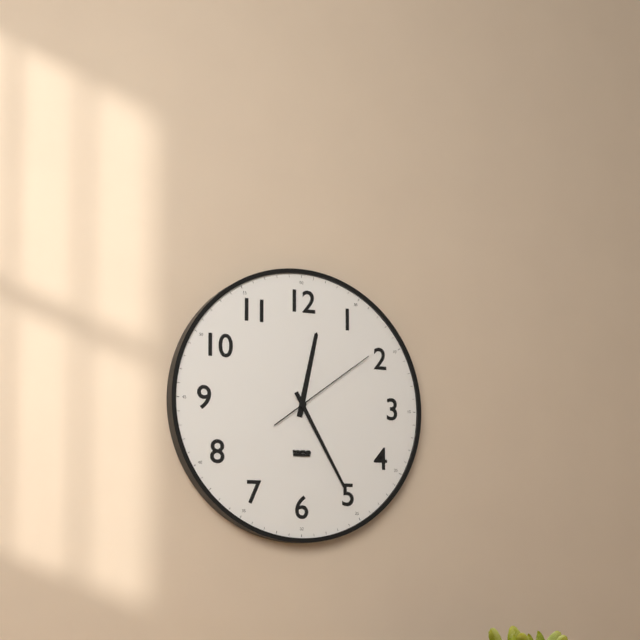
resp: 12h25m09s
